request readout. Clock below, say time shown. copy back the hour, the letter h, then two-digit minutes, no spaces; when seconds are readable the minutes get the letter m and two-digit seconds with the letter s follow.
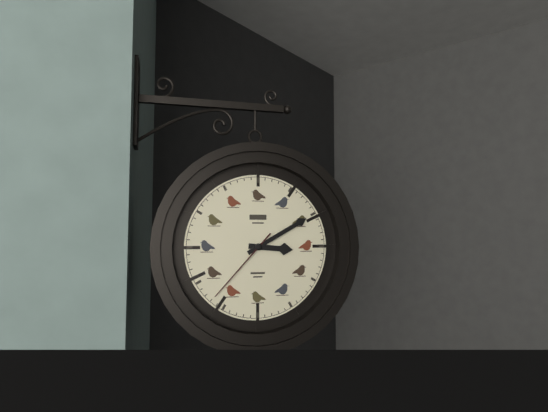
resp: 3h10m37s
